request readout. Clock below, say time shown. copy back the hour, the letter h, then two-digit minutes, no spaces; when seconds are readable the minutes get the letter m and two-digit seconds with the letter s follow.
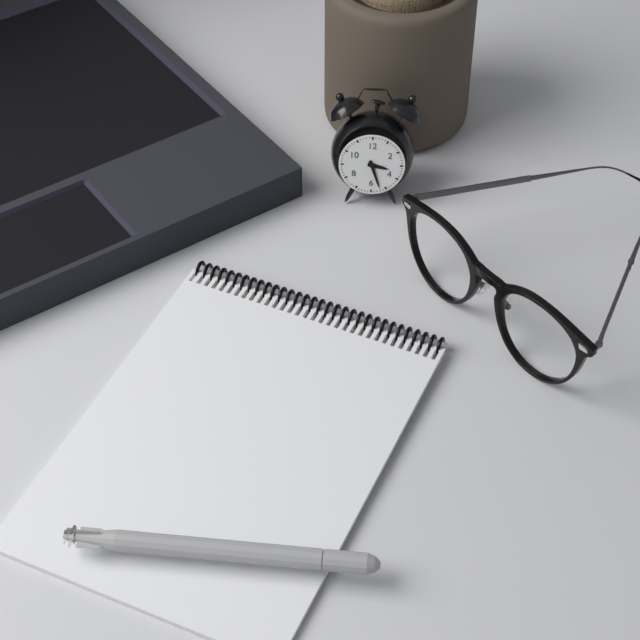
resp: 3h27
